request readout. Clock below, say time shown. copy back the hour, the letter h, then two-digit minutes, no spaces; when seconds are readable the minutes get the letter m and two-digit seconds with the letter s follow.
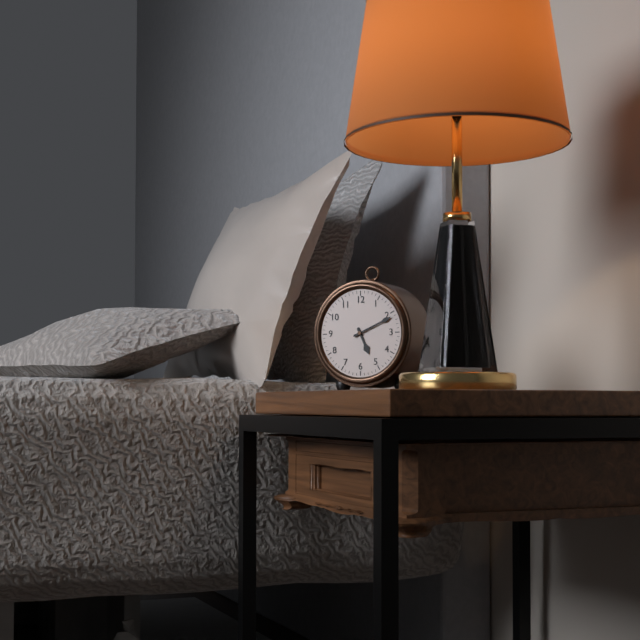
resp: 5h11
